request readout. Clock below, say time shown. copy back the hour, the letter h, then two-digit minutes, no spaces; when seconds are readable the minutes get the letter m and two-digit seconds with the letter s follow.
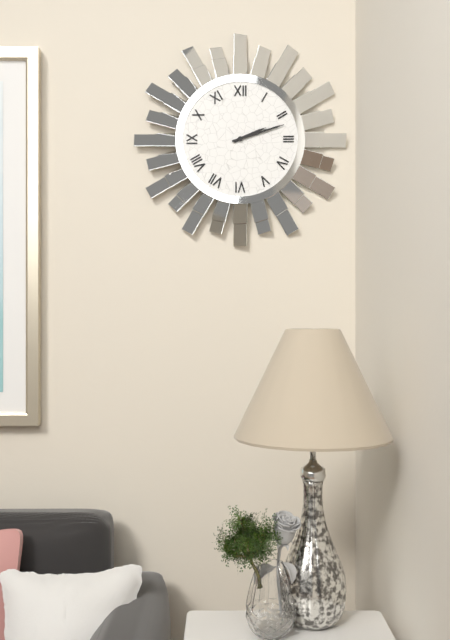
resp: 2h12
